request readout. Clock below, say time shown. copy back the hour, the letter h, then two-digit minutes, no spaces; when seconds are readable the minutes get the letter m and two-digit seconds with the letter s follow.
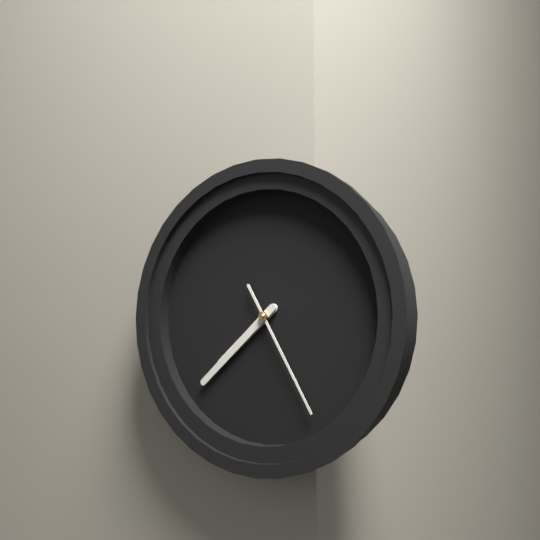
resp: 7h38m25s
